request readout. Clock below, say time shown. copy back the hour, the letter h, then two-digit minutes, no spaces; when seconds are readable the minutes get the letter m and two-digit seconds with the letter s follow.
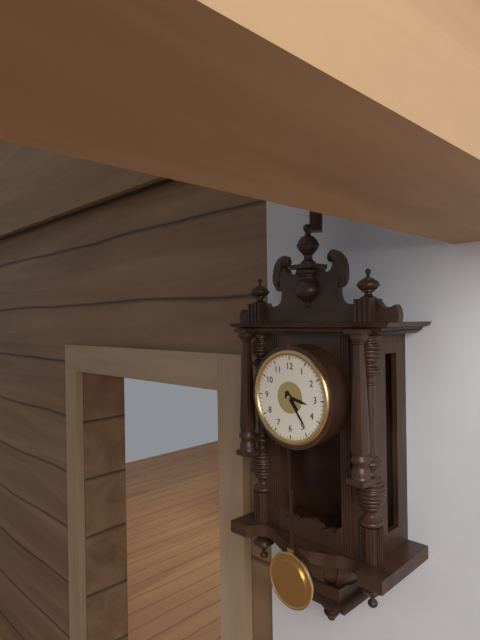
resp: 3h24
